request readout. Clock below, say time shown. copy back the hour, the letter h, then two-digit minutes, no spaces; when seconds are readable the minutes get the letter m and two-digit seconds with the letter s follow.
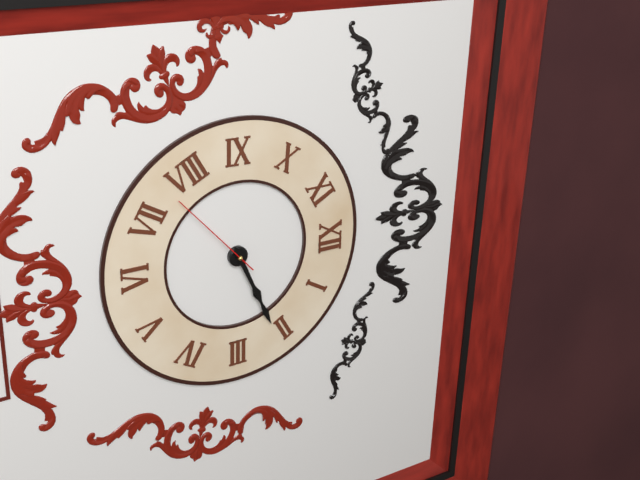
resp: 2h11m38s
